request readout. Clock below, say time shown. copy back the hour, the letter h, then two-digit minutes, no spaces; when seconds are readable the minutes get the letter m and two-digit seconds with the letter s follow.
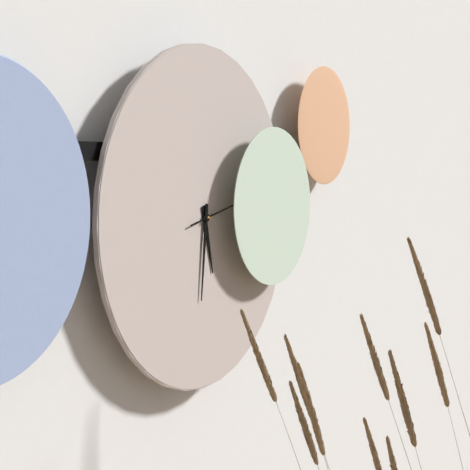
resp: 5h31
